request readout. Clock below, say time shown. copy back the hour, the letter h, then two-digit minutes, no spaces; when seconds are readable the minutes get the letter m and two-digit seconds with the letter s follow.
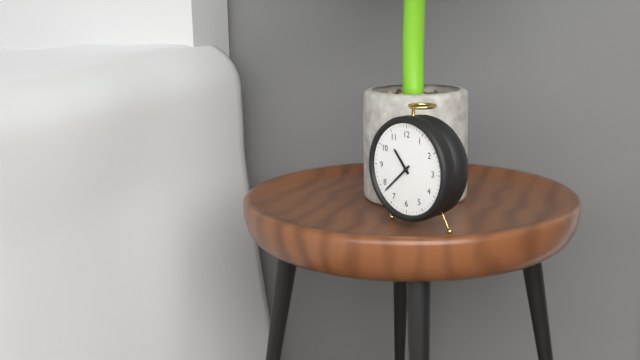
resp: 10h38
